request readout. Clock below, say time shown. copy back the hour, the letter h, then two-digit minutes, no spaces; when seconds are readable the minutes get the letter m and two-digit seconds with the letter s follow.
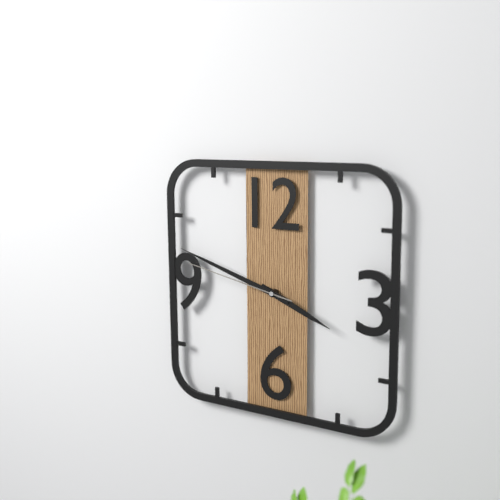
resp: 3h48m47s
